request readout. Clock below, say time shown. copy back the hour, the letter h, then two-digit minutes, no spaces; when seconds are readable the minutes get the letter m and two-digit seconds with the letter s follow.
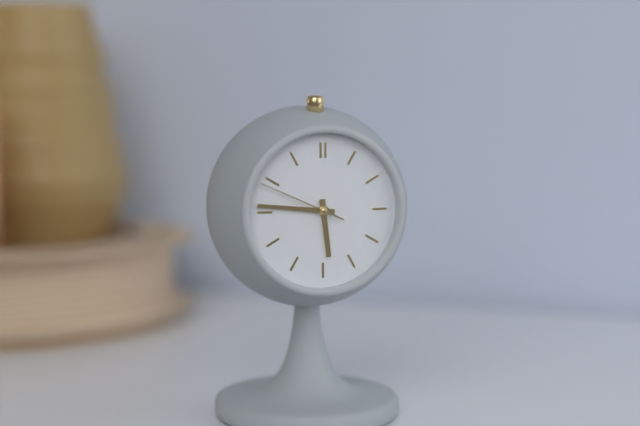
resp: 5h46m49s
